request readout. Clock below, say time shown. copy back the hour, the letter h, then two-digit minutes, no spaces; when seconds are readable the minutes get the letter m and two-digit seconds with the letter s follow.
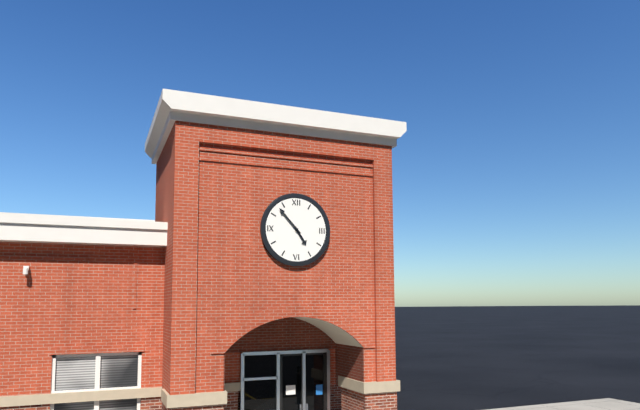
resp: 4h53
